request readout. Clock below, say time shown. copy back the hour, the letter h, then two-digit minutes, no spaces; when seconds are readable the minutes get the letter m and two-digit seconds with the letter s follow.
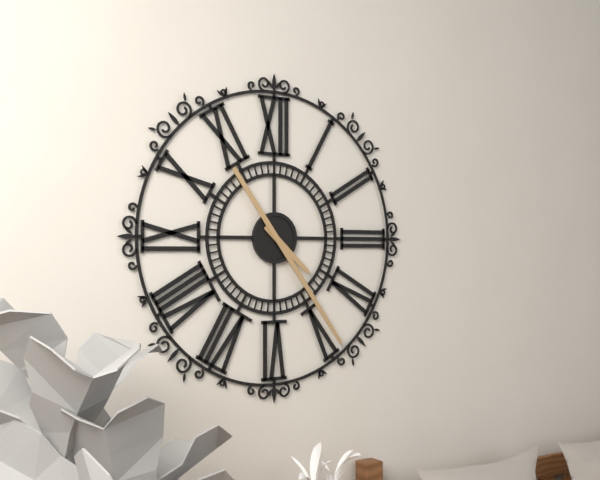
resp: 4h24
